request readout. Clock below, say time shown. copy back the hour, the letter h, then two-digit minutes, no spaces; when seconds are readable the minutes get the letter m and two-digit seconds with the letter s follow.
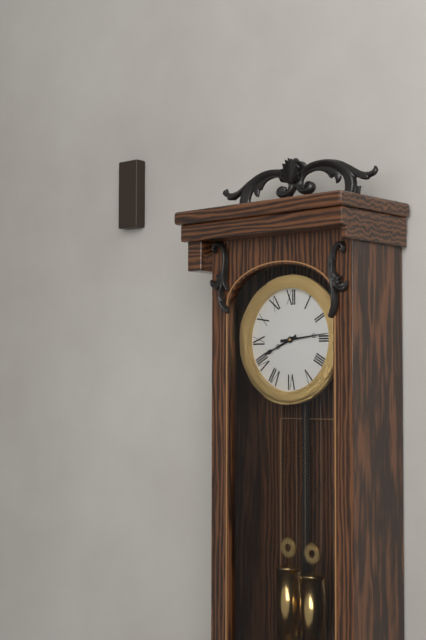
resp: 8h14
